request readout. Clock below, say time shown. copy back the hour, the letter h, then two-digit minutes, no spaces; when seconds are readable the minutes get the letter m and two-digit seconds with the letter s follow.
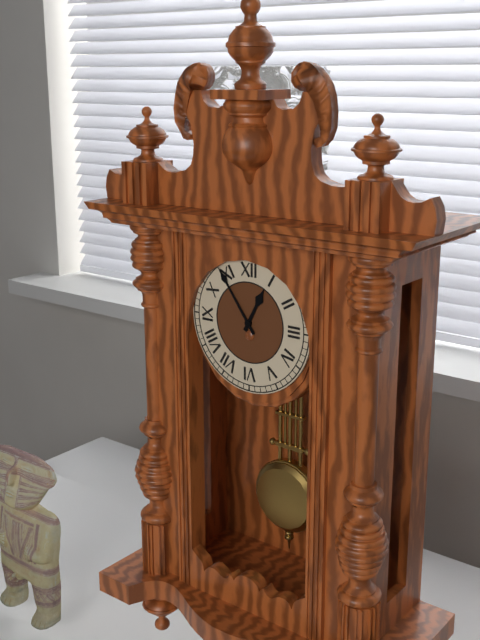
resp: 12h54
